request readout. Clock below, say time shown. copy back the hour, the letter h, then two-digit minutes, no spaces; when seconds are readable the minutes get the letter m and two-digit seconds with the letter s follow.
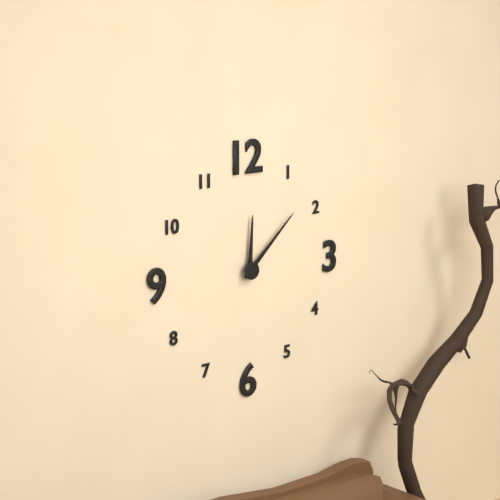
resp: 12h08
